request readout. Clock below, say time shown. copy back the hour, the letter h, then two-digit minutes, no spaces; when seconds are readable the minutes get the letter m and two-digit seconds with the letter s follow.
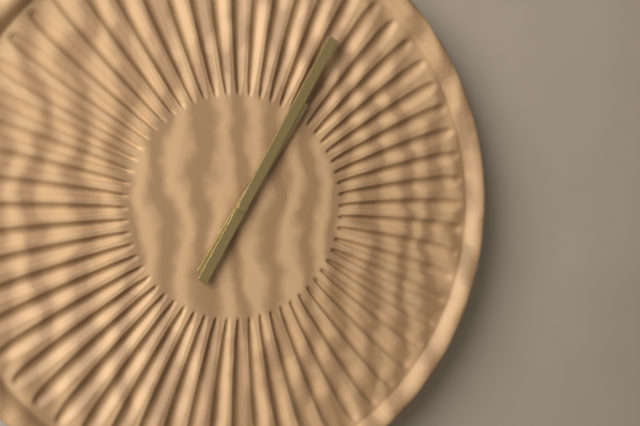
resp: 1h05
